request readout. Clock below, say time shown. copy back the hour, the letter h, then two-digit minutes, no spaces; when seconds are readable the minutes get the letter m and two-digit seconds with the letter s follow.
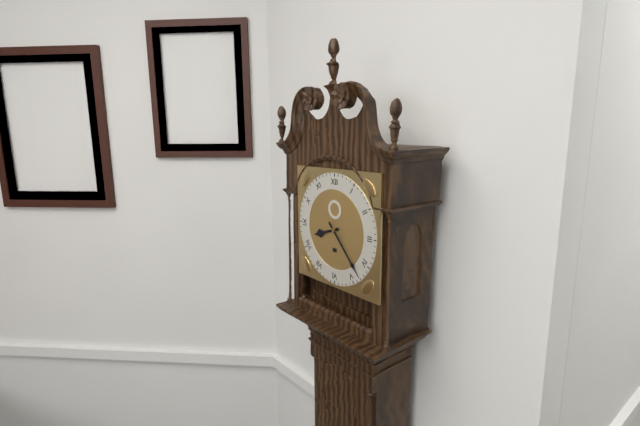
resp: 8h23
